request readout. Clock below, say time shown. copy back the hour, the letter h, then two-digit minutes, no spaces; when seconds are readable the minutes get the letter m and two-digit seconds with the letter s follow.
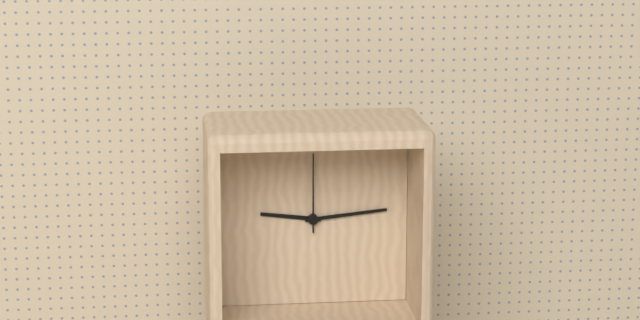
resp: 9h14m00s
